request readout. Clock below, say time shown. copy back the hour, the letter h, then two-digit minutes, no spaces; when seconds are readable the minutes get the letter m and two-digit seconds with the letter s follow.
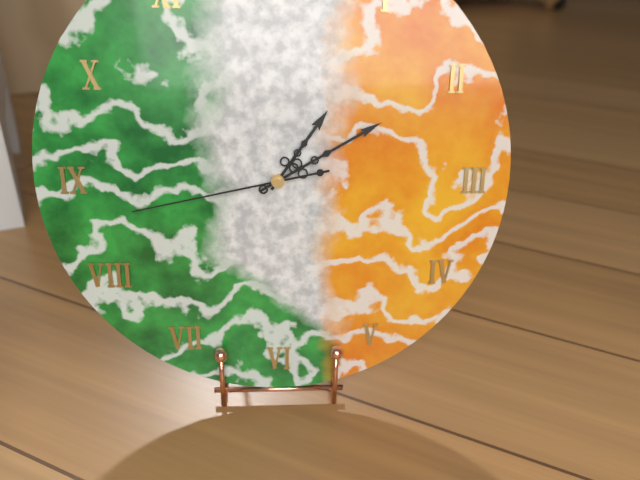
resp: 1h10m43s
